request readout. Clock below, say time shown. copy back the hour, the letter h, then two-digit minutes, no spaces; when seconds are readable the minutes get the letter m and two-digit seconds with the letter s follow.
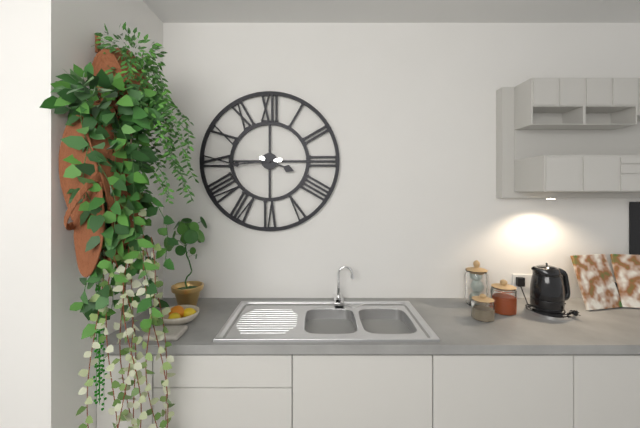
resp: 3h44
